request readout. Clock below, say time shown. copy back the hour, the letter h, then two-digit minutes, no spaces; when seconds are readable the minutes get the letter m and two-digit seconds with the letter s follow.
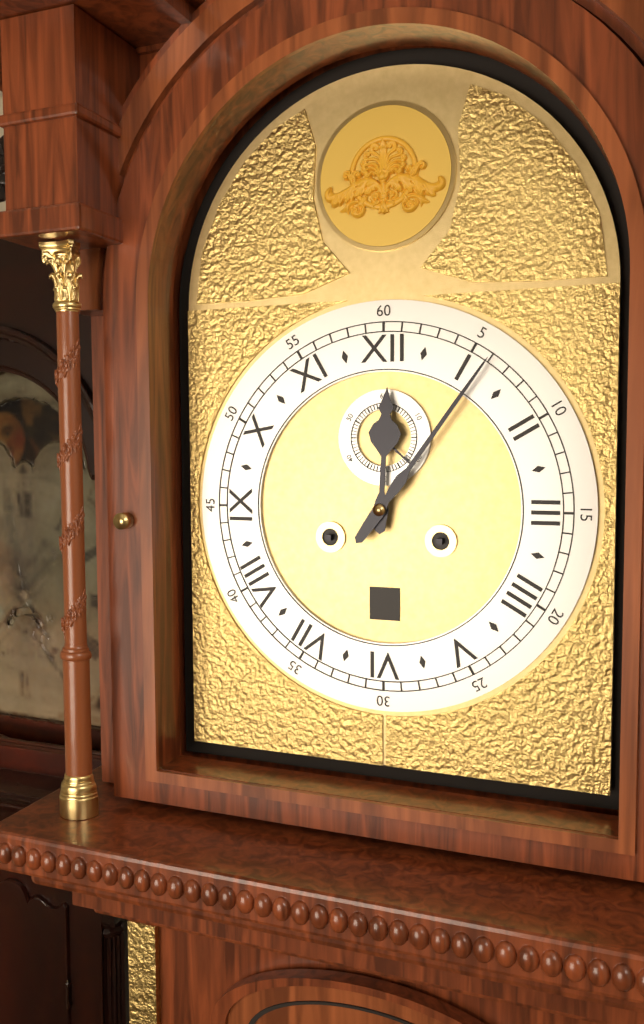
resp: 12h06m22s
